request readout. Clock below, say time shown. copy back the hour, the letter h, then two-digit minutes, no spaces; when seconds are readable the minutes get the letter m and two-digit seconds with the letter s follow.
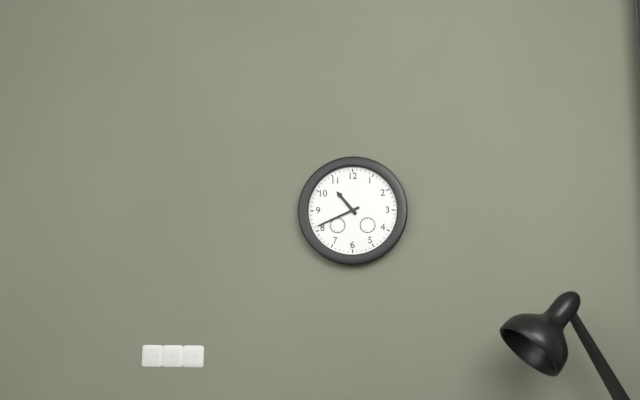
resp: 10h41
